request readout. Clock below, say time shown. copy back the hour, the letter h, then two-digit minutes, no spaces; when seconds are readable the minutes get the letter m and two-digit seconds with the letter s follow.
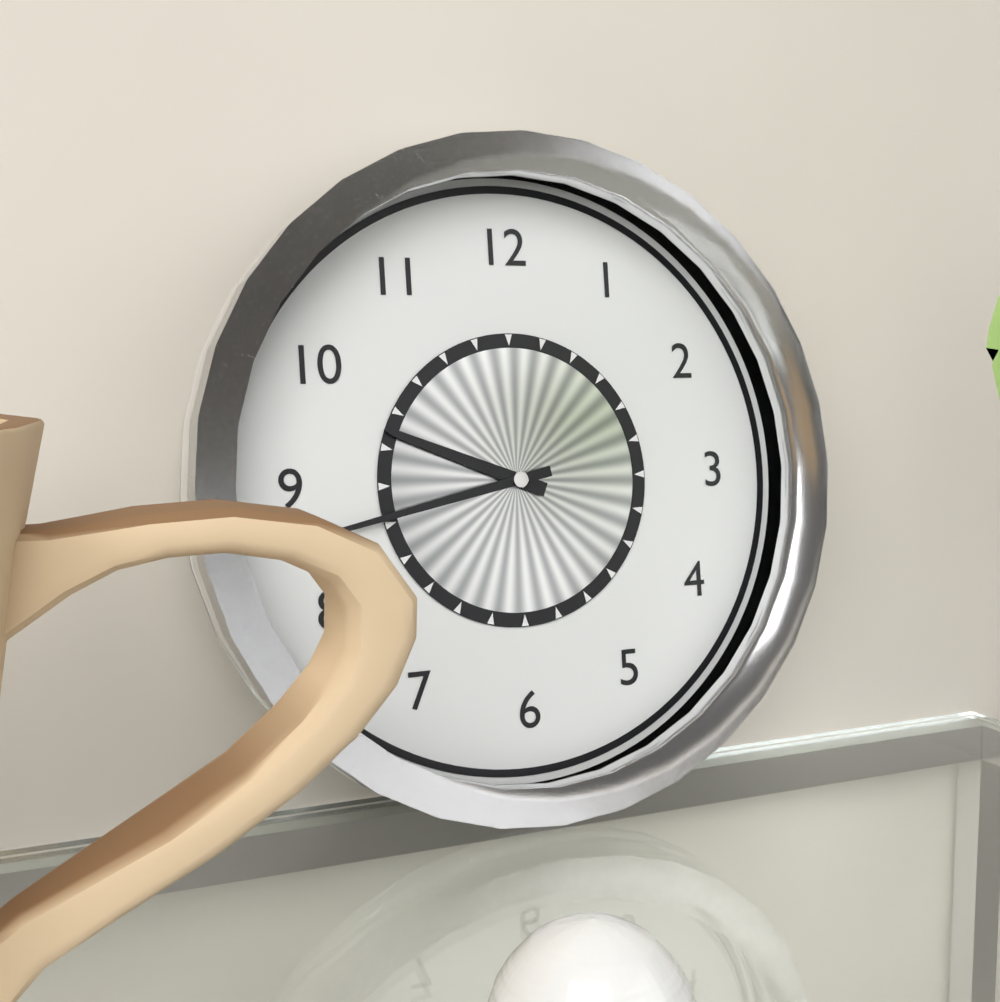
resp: 9h43
